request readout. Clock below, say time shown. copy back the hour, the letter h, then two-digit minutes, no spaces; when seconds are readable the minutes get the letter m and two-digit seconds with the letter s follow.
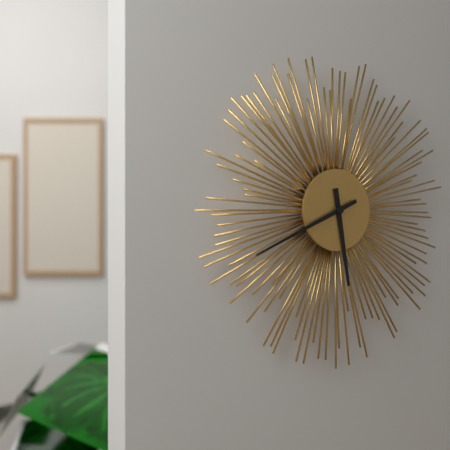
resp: 5h41
